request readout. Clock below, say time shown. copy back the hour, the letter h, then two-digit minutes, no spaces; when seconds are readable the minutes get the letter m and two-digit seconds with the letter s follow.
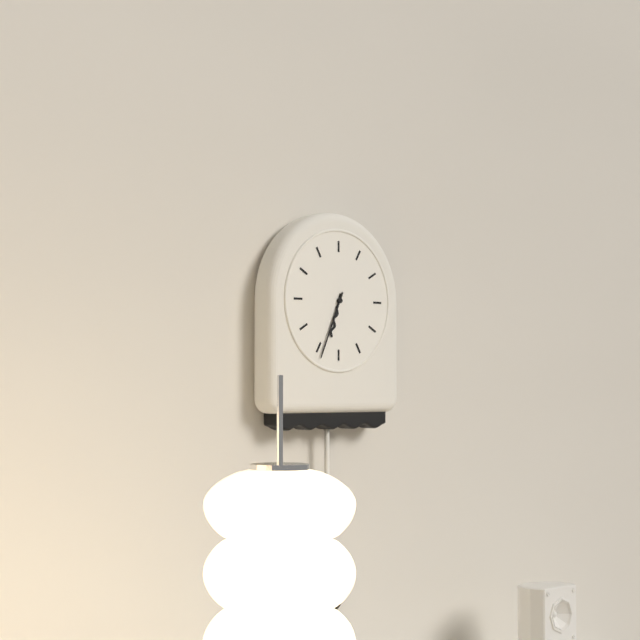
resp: 6h34
